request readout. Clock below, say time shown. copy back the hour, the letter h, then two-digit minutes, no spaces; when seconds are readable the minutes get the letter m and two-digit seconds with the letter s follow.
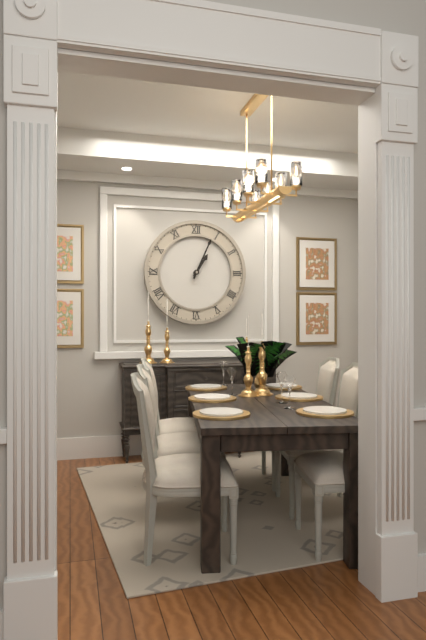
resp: 1h04
